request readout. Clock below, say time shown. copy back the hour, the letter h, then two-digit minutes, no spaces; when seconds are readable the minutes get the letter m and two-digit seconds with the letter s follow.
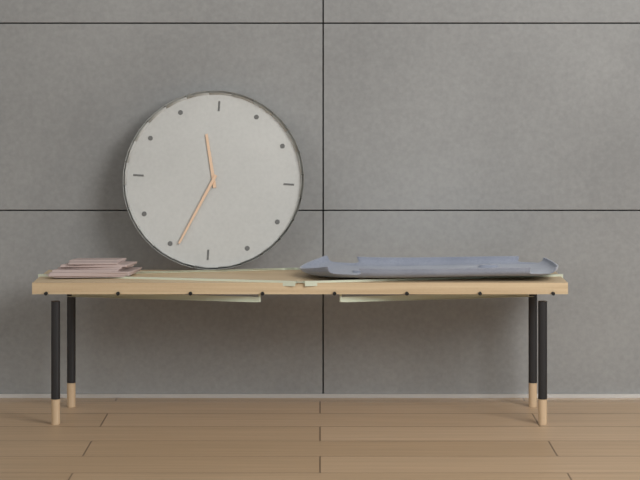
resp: 11h34
